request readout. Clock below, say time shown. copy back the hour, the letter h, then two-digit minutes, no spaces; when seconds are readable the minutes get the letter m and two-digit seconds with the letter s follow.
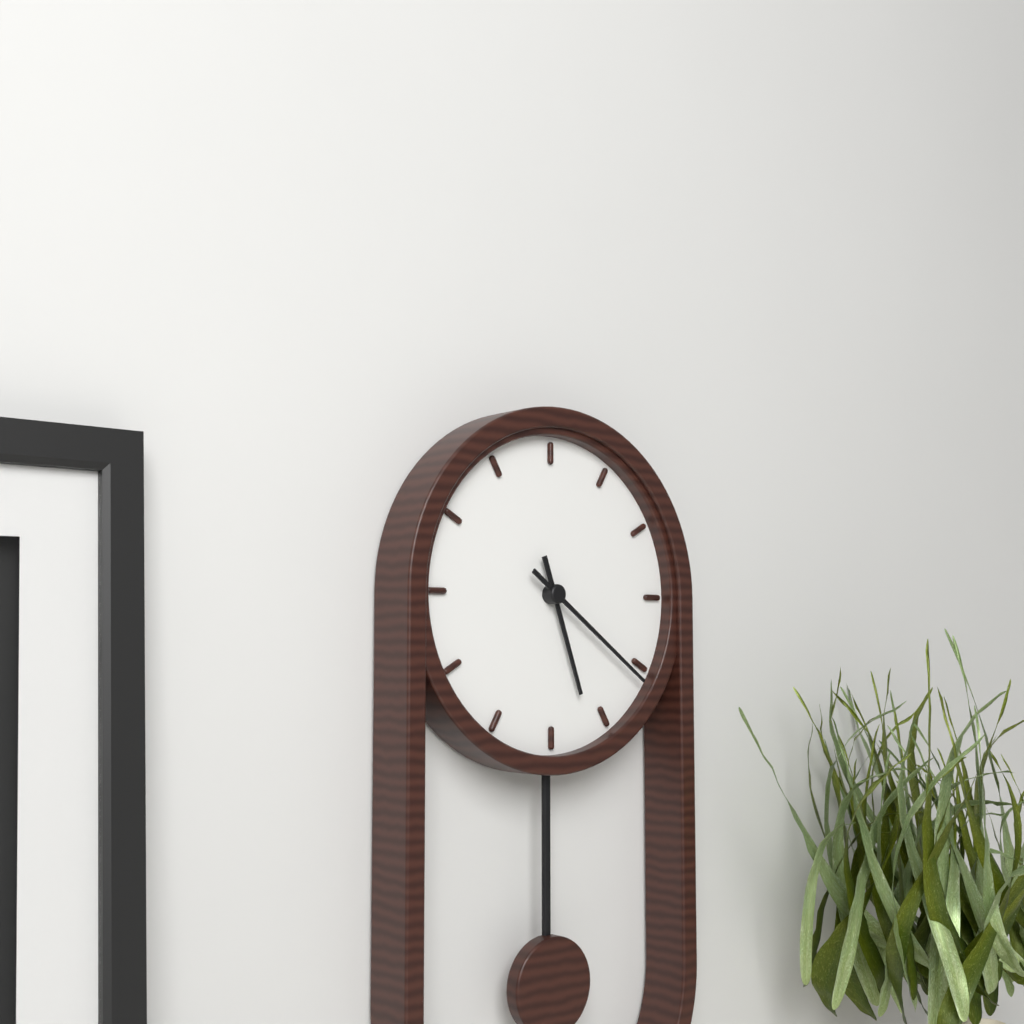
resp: 5h21
